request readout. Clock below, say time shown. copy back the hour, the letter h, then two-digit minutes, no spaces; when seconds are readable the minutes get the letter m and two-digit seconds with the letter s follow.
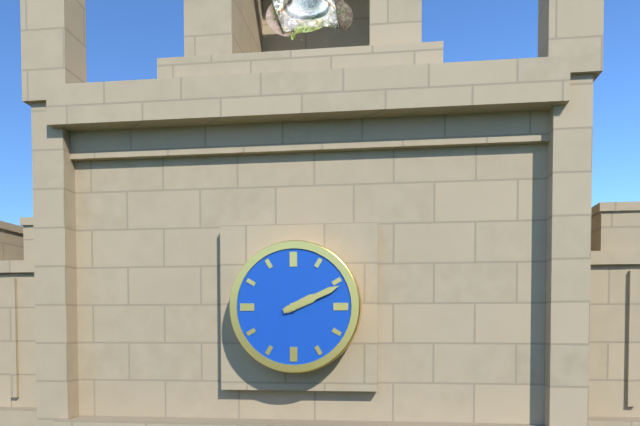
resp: 2h11
